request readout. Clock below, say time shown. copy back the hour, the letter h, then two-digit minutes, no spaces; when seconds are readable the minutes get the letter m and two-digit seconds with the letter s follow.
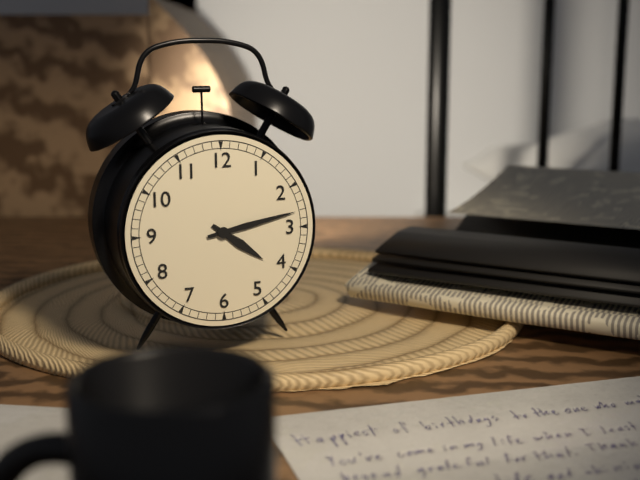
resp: 4h13
